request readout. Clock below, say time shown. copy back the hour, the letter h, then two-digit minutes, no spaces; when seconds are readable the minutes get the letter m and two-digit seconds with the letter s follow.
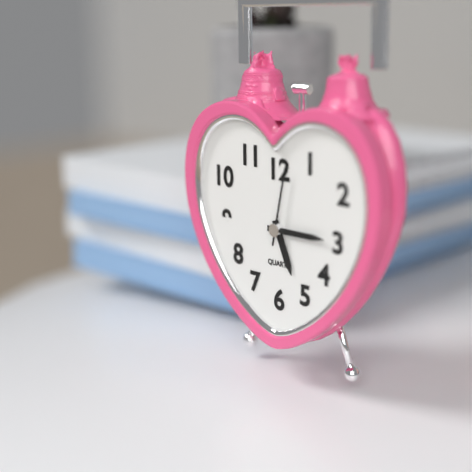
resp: 5h15m02s
